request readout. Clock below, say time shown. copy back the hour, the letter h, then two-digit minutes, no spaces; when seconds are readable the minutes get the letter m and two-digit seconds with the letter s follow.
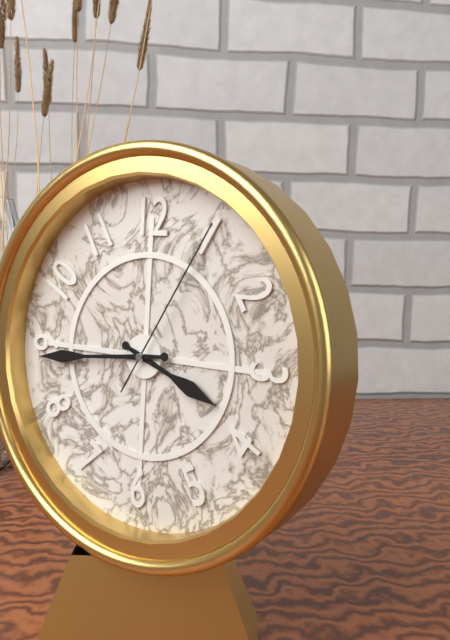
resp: 3h44m05s
